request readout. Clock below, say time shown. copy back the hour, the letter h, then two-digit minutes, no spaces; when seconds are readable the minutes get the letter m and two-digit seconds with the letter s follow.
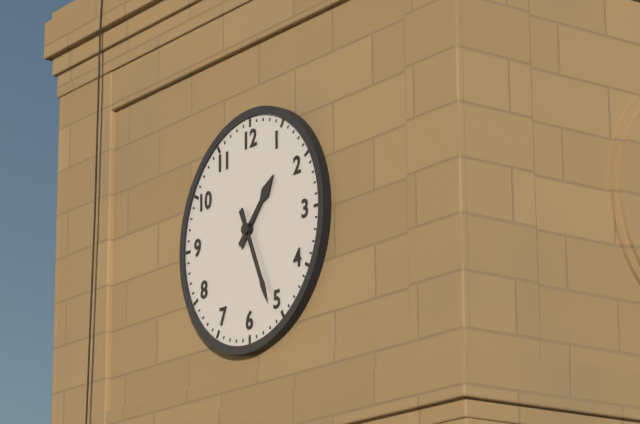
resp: 1h26
